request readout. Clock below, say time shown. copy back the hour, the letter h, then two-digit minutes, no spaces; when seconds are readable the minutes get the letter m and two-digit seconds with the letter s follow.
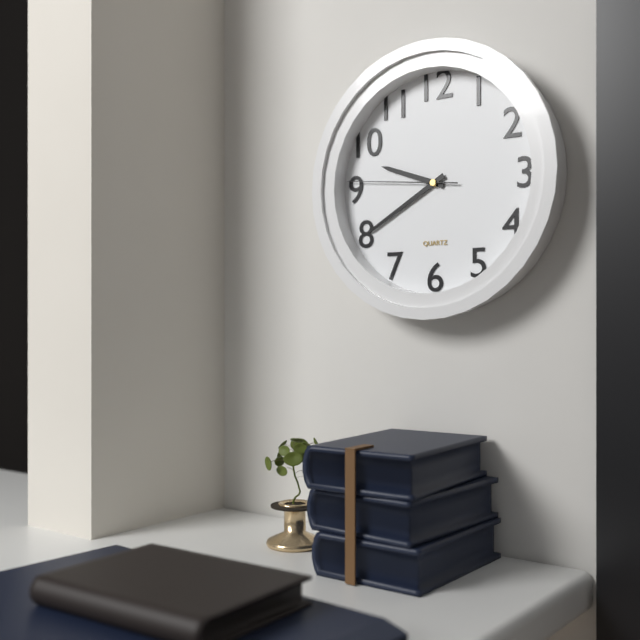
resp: 9h40m46s
